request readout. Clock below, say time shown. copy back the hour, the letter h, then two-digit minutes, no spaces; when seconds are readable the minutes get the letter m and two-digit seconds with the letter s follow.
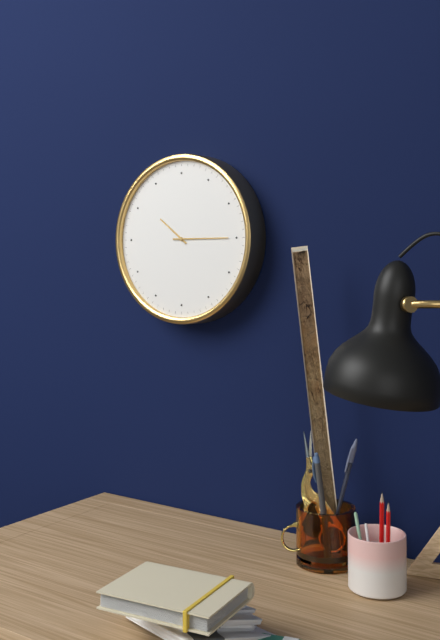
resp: 10h15
